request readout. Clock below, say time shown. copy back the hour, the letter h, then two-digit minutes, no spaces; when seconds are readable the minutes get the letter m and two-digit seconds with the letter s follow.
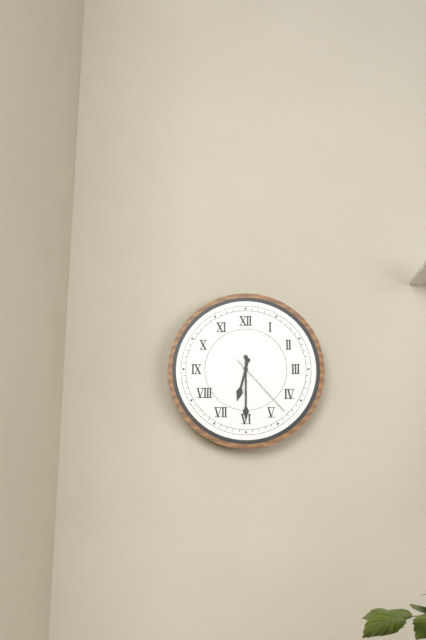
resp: 6h30m23s
